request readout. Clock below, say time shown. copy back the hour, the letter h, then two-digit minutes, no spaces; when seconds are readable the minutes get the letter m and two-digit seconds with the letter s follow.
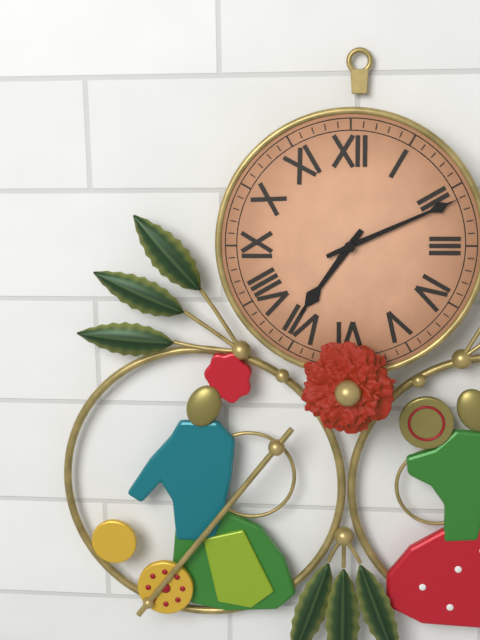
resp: 7h11
